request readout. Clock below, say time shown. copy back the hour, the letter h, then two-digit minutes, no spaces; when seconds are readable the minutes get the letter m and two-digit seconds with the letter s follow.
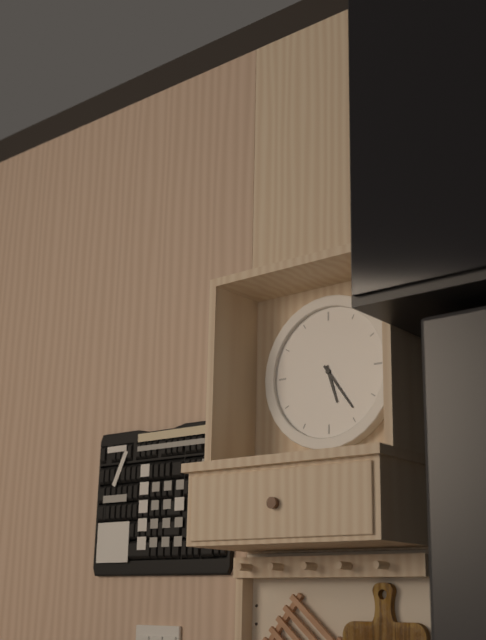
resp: 5h24
